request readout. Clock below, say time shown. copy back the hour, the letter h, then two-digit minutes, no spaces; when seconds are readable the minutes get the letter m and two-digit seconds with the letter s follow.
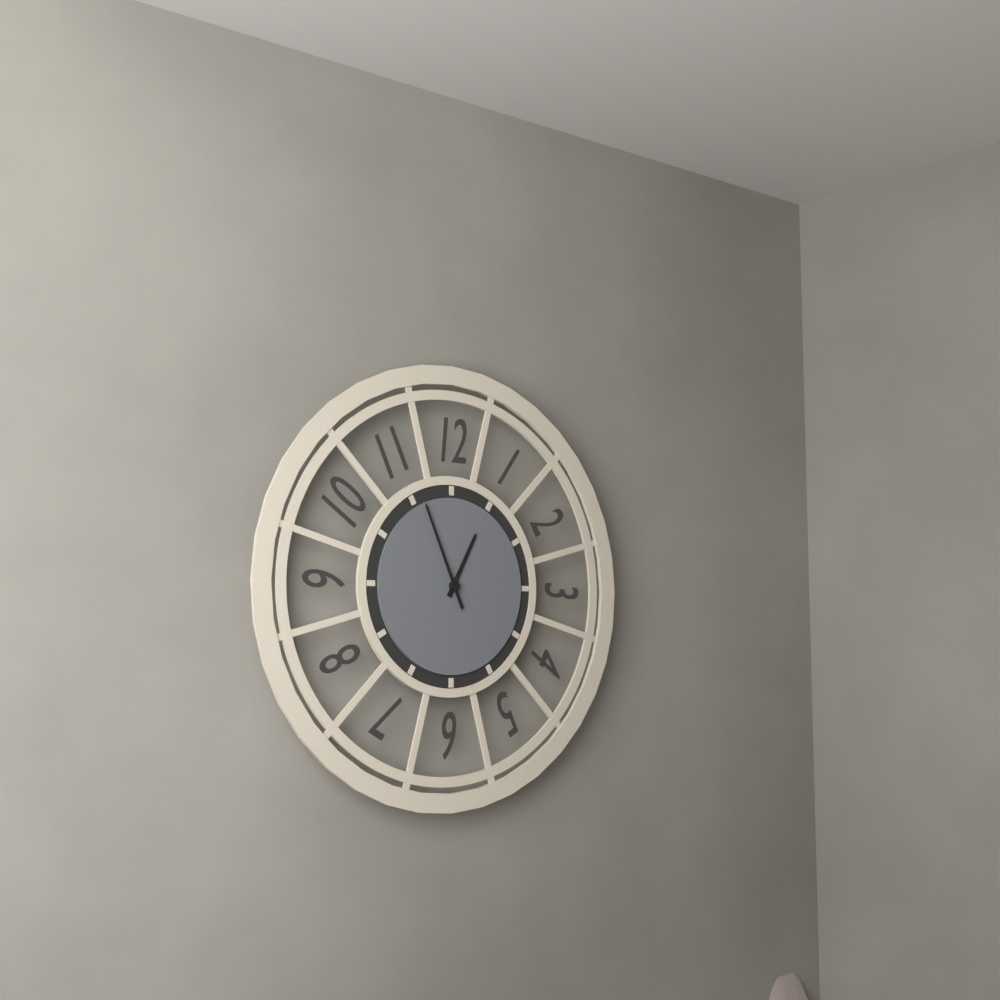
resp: 12h56
